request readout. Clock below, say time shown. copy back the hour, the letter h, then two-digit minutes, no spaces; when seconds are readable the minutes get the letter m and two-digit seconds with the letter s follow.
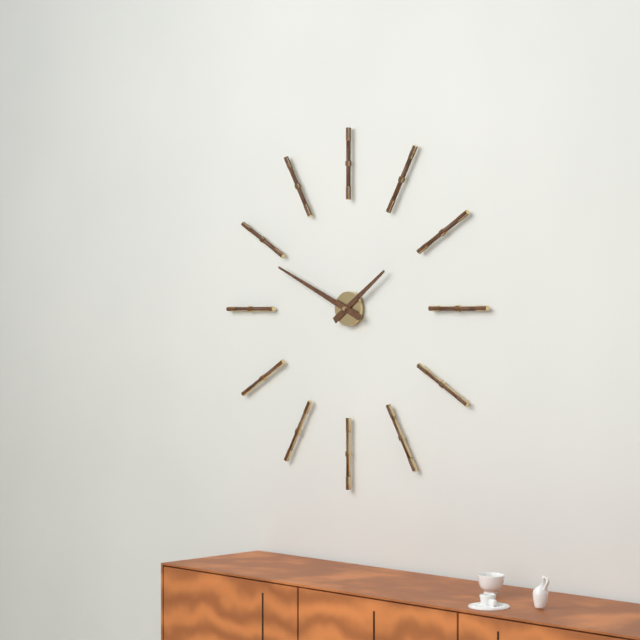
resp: 1h49
